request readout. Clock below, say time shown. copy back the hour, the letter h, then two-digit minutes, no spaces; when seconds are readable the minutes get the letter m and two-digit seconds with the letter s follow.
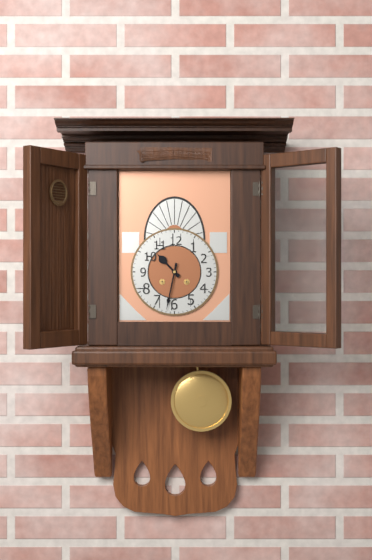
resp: 10h32
